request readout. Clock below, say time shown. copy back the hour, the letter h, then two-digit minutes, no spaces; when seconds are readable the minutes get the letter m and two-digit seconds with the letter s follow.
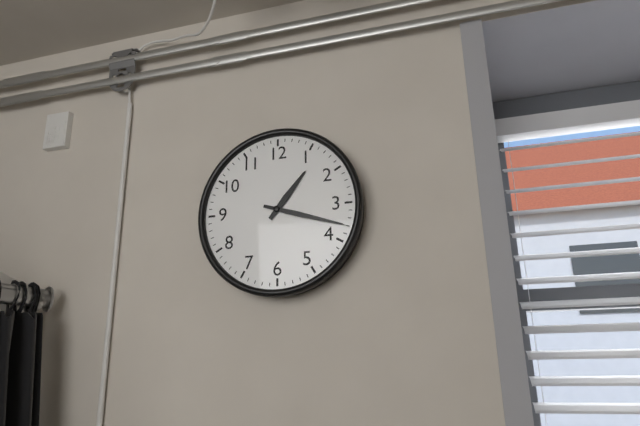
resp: 1h18
